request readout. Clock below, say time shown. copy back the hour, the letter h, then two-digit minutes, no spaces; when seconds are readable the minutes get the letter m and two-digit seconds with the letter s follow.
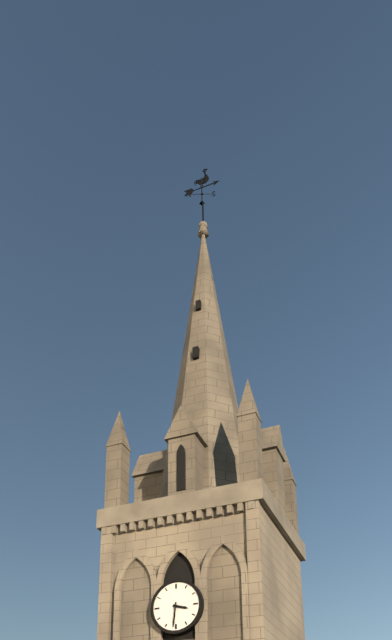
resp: 3h31
